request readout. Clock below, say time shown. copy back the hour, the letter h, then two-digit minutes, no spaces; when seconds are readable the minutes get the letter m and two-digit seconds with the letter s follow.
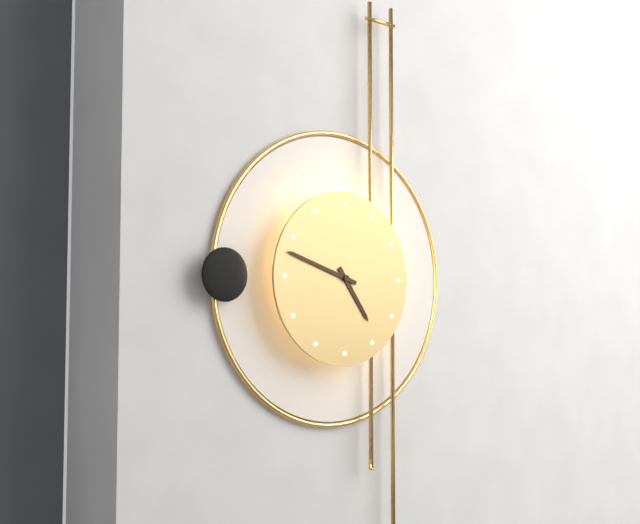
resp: 4h48
